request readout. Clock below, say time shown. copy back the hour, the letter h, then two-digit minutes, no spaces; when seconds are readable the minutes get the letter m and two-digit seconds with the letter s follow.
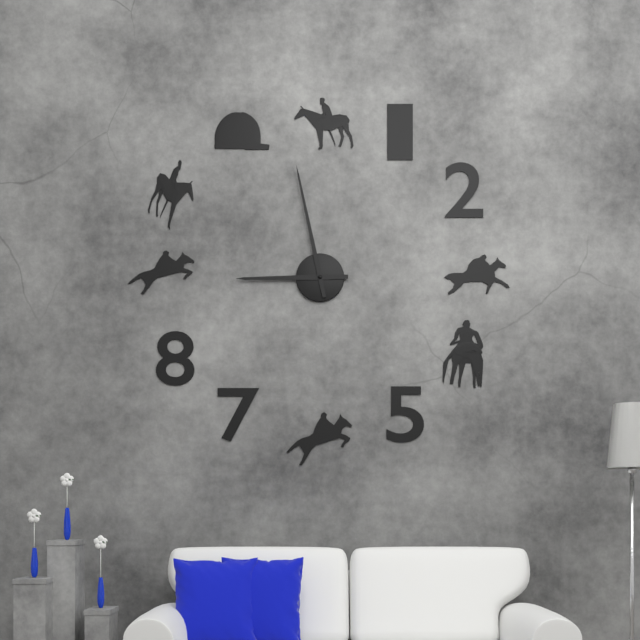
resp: 8h58
